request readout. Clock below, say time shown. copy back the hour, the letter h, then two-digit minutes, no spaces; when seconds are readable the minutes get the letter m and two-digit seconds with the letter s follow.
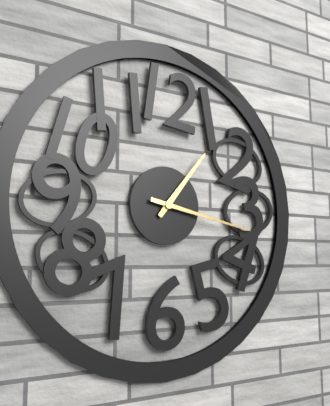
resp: 1h17
